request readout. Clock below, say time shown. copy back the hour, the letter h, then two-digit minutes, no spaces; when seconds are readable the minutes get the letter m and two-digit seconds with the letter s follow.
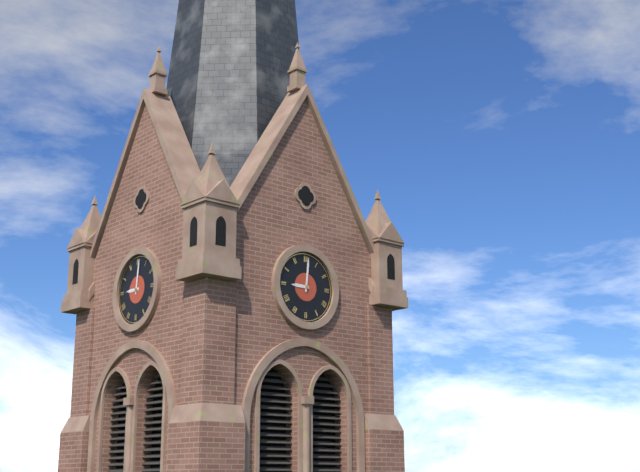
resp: 9h01
